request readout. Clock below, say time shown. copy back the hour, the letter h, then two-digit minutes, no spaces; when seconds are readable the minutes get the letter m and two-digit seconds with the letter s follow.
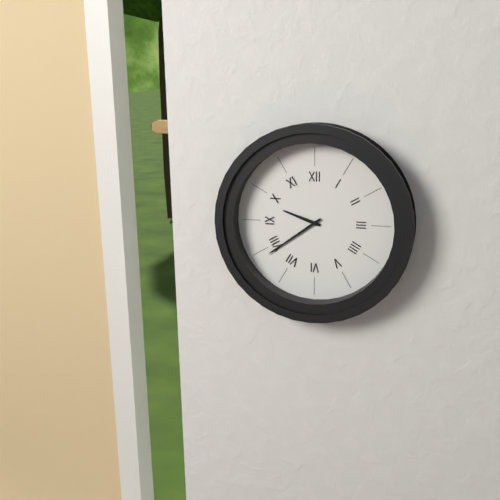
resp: 9h39
